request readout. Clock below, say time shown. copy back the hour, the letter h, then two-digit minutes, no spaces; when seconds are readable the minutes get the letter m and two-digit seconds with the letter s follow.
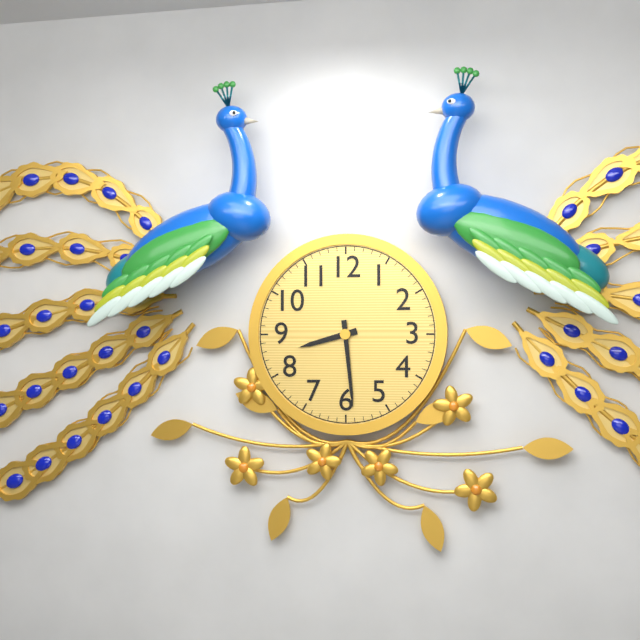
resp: 8h29
